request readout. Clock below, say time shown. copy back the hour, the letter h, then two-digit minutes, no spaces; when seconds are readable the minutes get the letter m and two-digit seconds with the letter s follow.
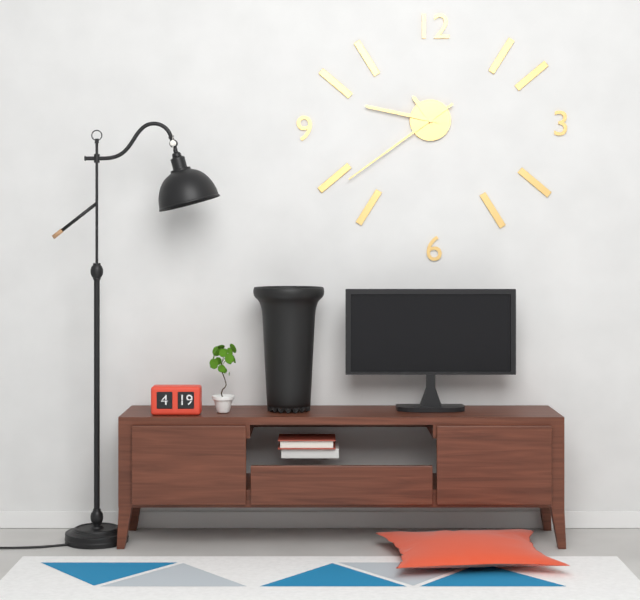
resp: 10h47m39s
